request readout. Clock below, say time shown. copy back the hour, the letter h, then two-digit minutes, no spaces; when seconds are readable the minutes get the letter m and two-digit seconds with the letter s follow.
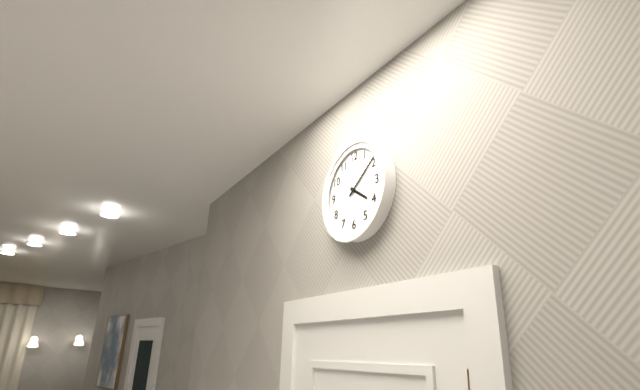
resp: 4h09
